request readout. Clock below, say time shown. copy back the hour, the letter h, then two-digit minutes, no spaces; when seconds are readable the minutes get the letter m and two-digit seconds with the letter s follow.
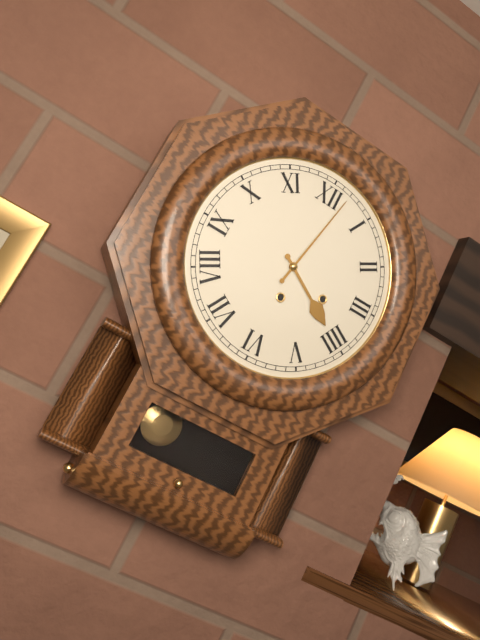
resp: 4h02
